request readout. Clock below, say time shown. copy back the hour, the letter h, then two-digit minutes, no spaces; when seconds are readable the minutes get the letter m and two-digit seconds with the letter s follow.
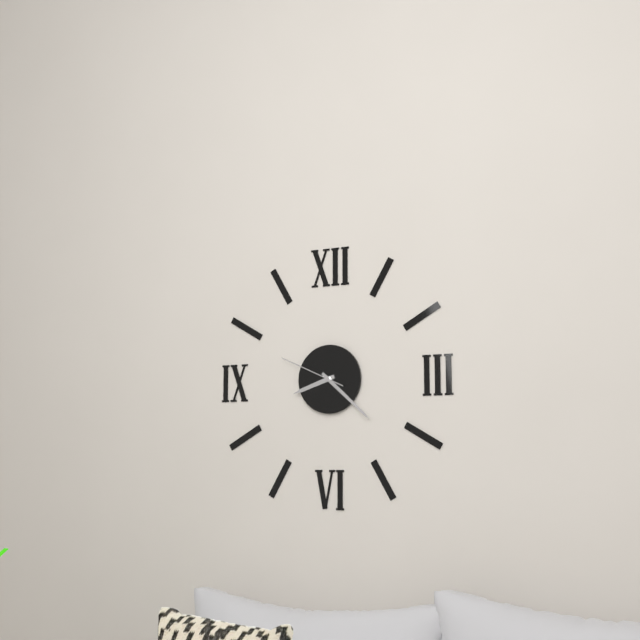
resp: 8h22m49s
